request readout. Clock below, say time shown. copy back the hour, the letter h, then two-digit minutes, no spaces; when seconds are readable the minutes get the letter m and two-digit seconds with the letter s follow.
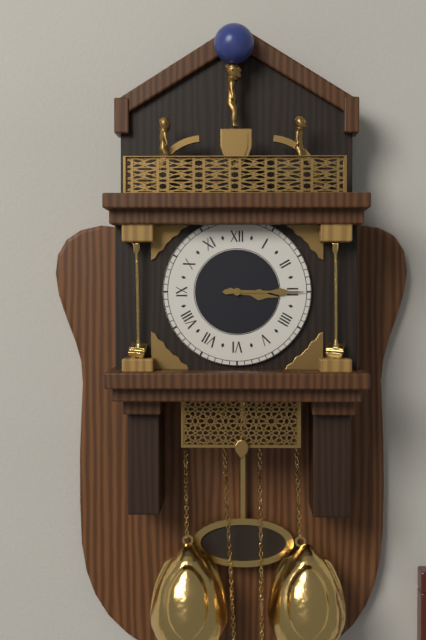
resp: 3h15
